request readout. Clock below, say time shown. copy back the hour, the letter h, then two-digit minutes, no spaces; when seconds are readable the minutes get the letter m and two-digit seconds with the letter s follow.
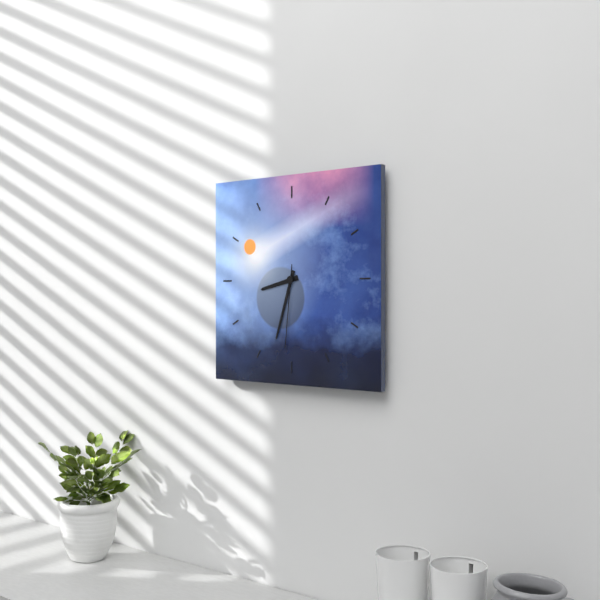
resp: 8h33m31s
